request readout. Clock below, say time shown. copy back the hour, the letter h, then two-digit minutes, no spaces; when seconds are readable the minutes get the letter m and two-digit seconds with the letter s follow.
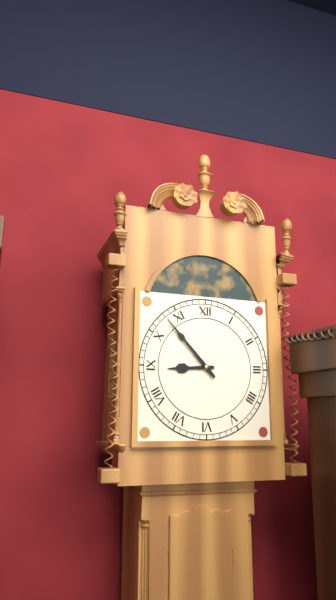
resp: 8h53
